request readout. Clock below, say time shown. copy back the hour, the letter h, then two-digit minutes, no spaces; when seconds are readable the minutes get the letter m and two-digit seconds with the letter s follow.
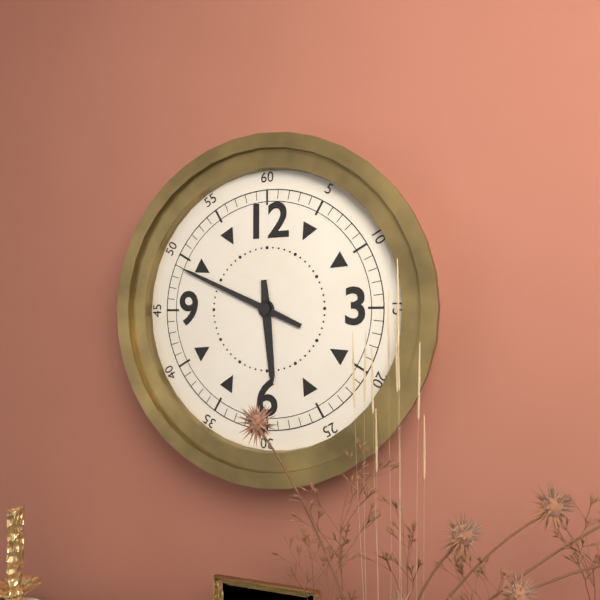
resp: 5h49
